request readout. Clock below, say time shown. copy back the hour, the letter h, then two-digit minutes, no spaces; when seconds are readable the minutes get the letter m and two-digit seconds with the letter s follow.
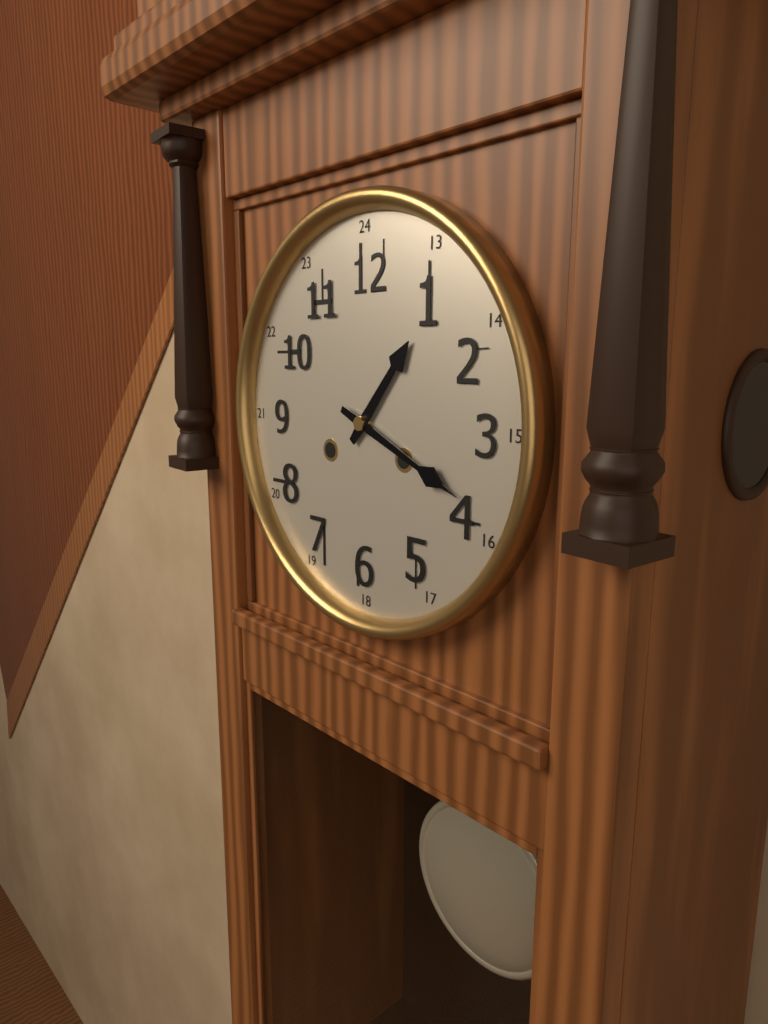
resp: 1h19
